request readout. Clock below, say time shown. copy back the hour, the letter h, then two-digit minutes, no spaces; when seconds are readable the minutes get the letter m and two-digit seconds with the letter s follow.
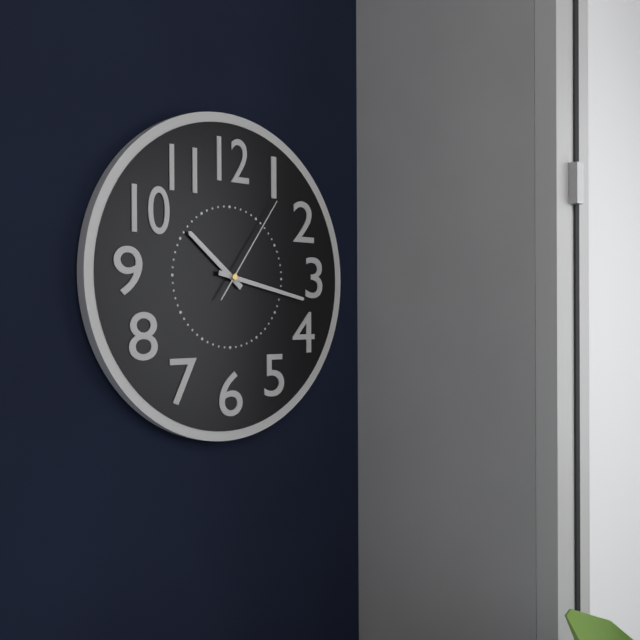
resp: 10h17m06s
